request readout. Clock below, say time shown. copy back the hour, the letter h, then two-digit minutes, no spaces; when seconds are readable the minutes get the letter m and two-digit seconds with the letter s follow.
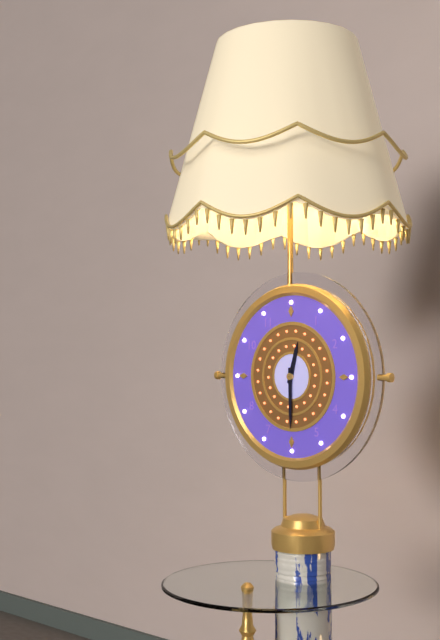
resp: 12h30
